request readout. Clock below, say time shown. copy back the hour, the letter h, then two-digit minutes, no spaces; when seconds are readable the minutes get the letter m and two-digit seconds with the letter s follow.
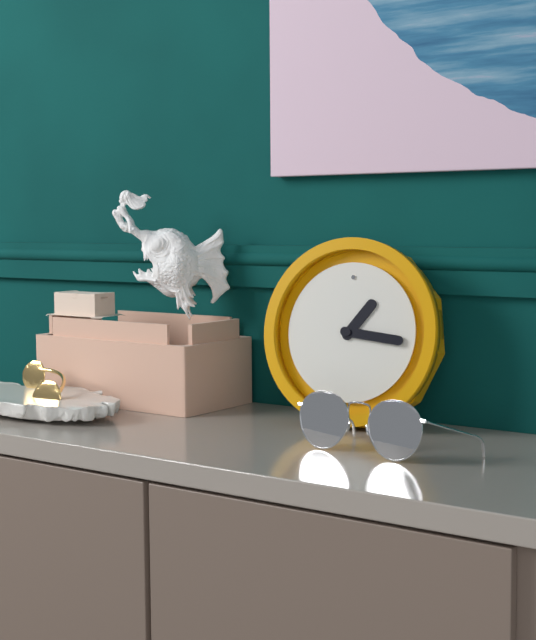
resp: 1h16
